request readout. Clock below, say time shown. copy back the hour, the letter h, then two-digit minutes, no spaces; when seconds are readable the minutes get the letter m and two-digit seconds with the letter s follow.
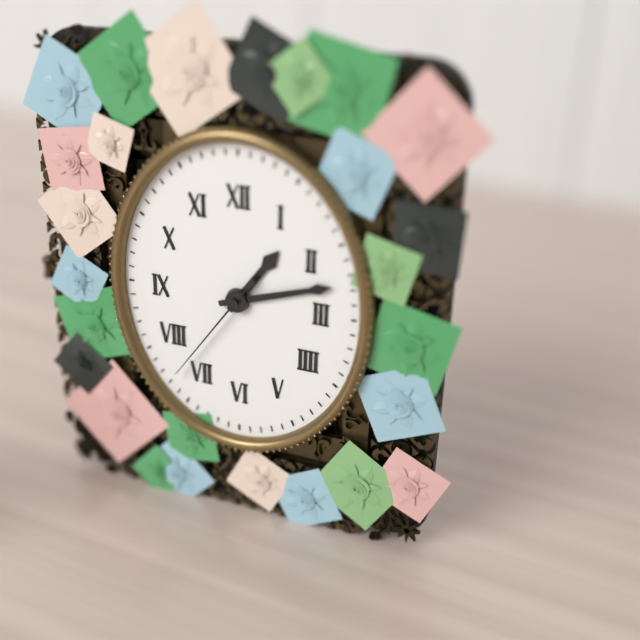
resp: 1h12m36s
